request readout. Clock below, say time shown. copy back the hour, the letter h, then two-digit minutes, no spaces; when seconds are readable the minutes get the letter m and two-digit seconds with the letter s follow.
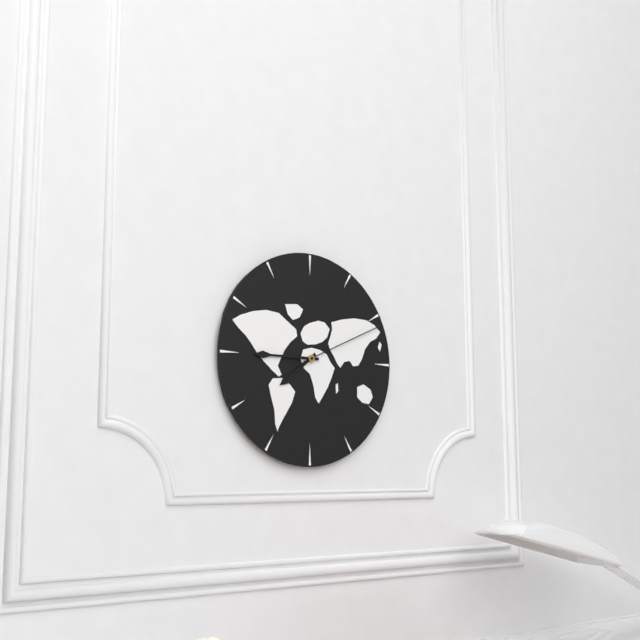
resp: 7h45m11s
